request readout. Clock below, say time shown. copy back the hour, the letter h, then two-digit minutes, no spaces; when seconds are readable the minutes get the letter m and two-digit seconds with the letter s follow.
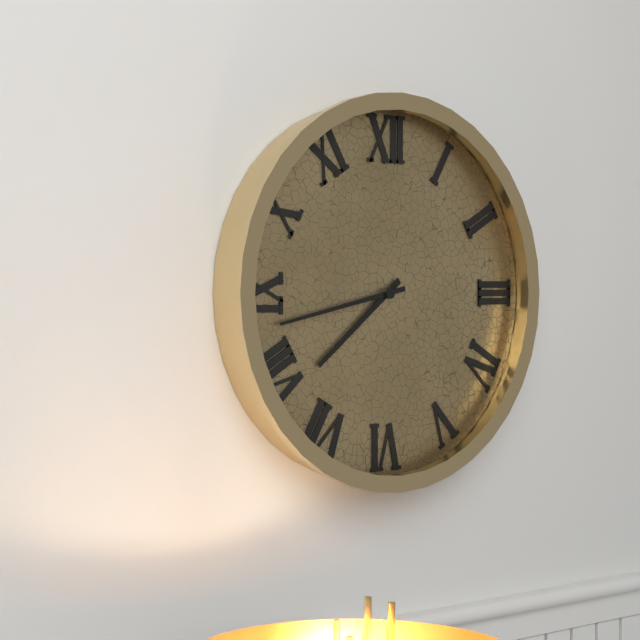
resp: 7h43
